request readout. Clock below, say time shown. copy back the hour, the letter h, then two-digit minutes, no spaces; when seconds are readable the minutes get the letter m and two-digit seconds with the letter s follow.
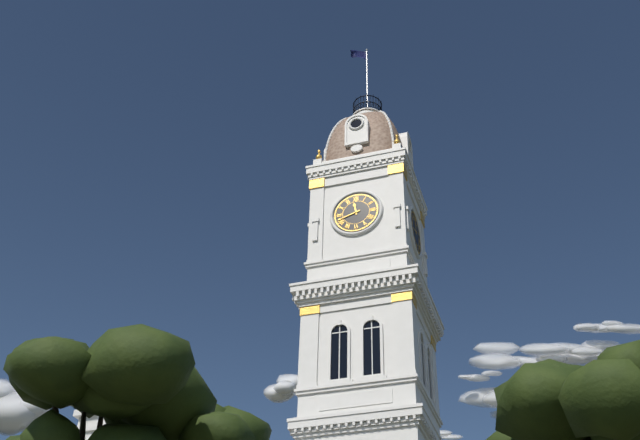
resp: 11h42
